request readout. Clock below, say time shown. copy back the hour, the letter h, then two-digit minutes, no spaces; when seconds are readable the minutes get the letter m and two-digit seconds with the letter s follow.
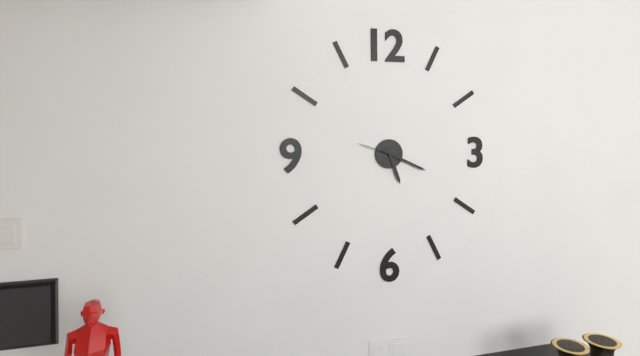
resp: 5h19
